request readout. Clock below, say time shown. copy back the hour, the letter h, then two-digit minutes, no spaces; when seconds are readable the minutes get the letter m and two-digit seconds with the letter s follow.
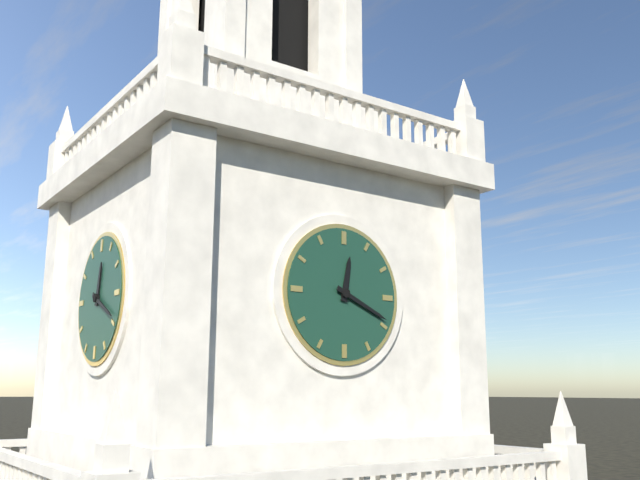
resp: 12h19
